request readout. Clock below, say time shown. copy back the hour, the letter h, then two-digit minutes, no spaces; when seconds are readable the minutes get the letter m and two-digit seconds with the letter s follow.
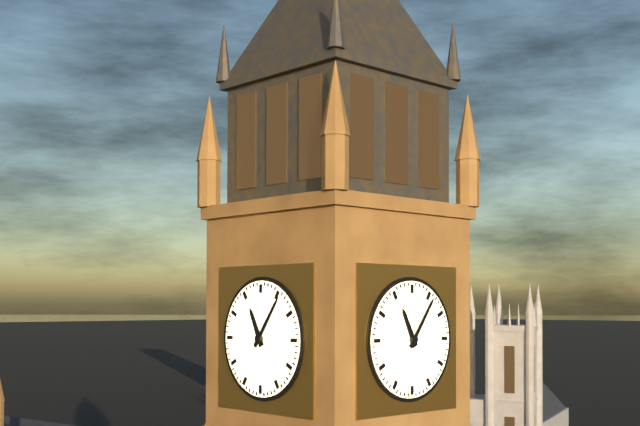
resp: 11h06
